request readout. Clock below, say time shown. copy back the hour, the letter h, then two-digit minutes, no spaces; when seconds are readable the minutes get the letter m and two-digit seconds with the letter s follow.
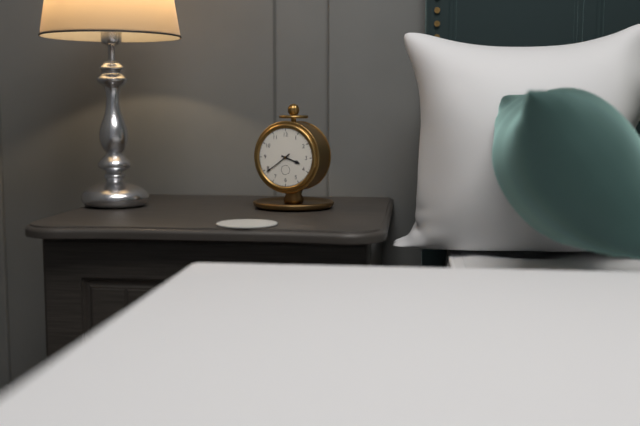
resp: 3h39
